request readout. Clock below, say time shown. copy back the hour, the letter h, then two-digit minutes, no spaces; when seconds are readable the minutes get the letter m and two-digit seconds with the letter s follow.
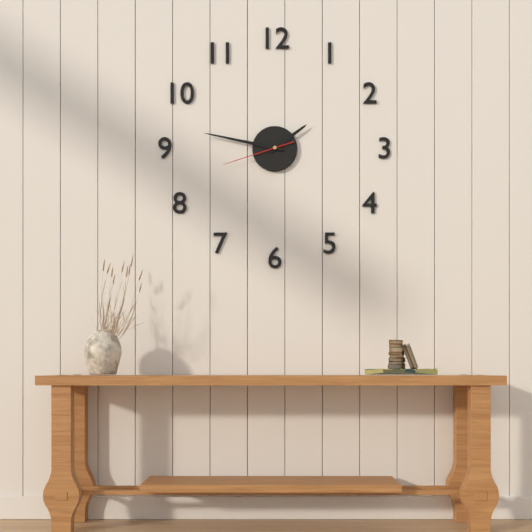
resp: 1h47m42s
